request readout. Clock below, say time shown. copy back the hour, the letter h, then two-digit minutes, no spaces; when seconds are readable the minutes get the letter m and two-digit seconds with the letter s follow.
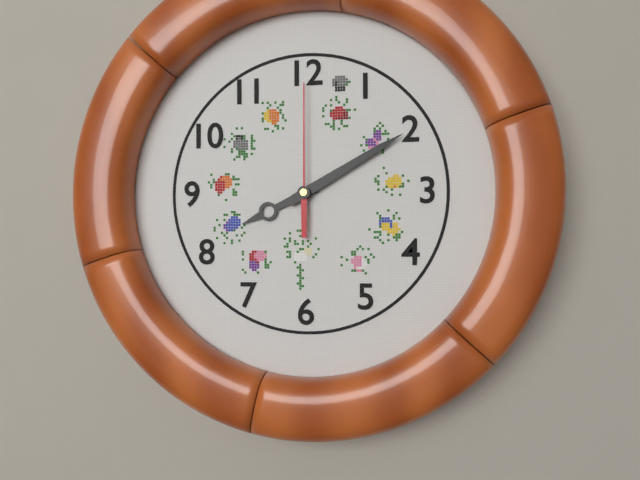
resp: 8h10m00s
